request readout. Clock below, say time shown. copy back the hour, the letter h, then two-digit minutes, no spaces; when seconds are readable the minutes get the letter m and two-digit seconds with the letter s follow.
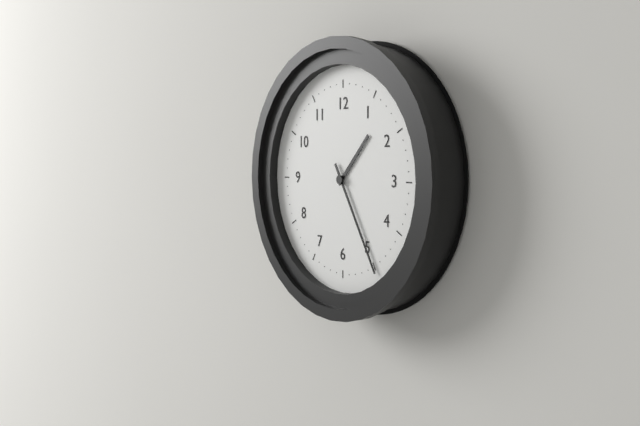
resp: 1h25
